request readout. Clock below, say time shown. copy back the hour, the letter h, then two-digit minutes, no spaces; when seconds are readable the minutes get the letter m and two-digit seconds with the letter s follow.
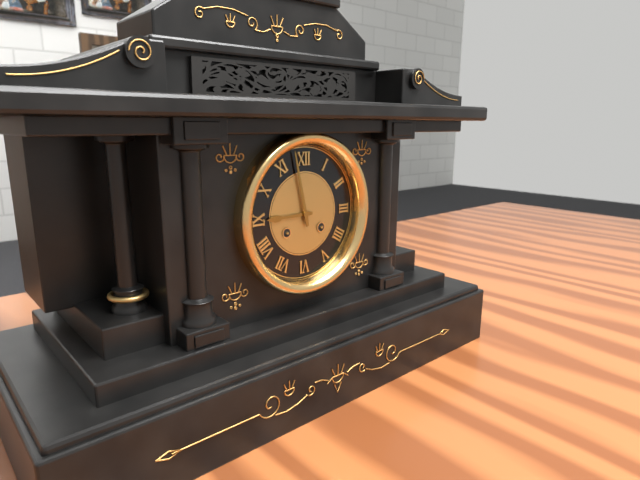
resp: 8h58
